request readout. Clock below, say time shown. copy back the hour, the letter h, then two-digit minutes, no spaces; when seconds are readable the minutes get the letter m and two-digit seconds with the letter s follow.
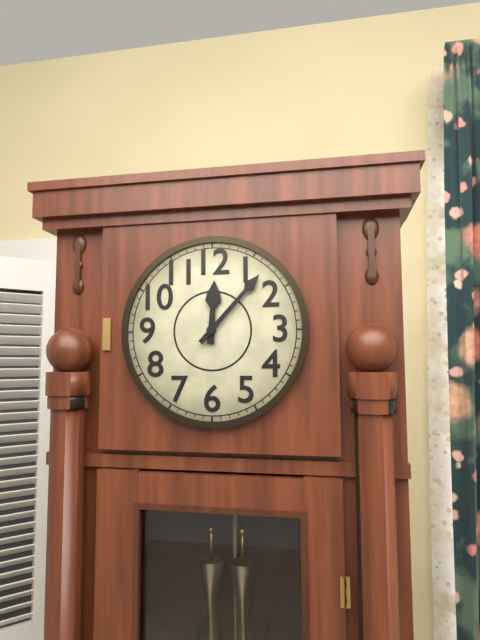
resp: 12h07
